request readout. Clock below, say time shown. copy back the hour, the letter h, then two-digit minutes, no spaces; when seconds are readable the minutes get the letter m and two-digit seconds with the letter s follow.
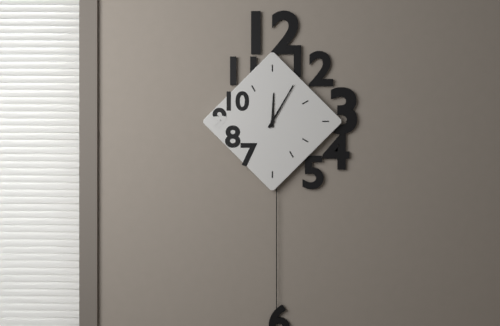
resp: 12h05
